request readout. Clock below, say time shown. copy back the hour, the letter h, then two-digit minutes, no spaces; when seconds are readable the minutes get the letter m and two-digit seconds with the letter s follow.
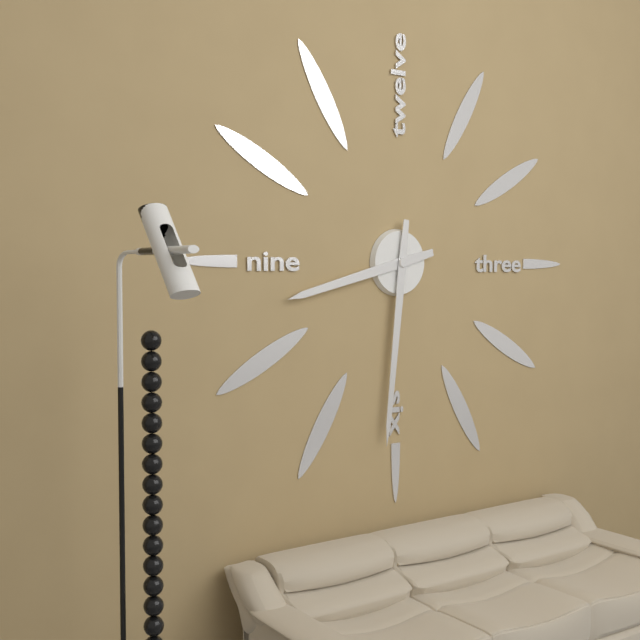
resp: 8h31
